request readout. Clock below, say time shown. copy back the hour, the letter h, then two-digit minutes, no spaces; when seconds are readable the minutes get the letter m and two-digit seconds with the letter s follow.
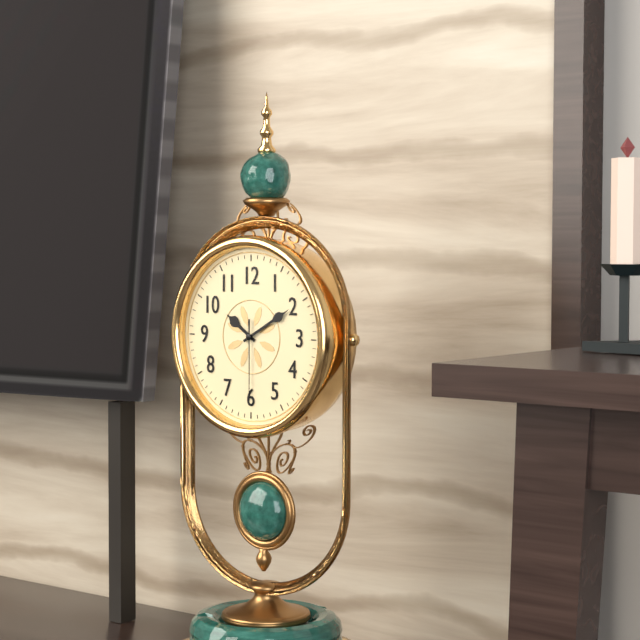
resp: 10h10m30s
